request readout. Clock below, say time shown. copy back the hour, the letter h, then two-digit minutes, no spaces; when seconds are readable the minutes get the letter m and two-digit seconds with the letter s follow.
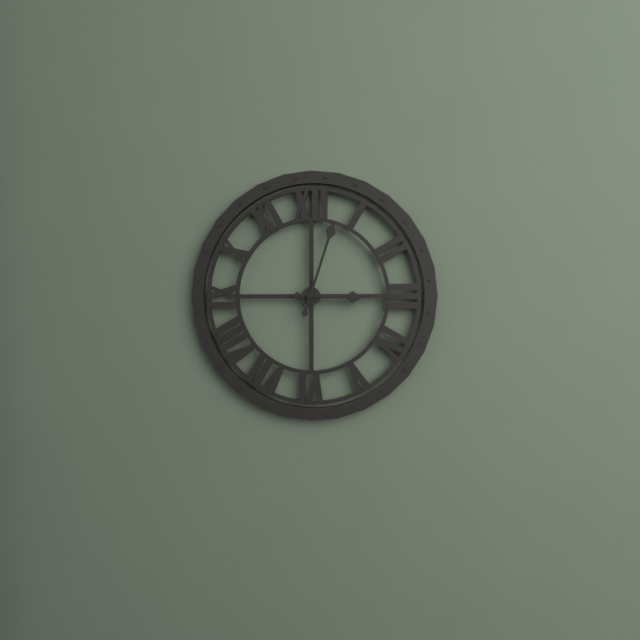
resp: 3h03
